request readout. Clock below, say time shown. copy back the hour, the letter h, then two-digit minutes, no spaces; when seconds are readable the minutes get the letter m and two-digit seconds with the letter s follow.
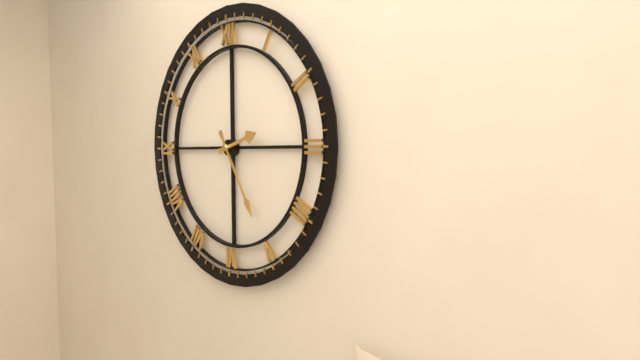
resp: 2h25
